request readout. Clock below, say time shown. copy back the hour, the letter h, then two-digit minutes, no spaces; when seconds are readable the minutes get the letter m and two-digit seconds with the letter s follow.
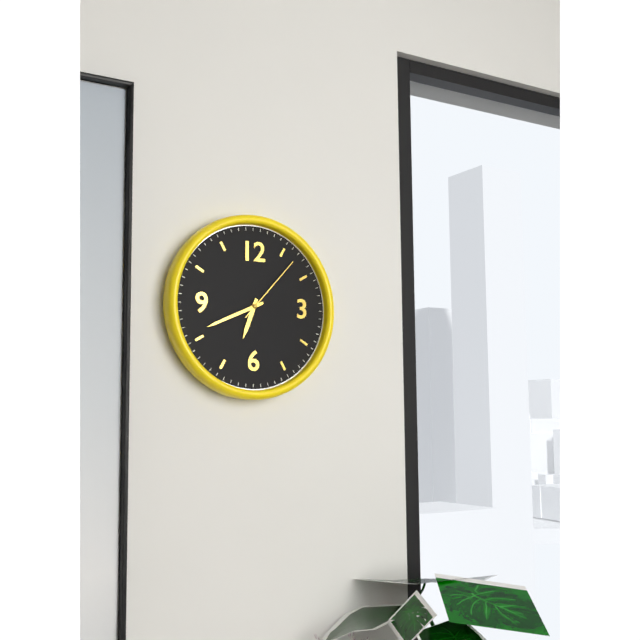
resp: 6h41m07s
